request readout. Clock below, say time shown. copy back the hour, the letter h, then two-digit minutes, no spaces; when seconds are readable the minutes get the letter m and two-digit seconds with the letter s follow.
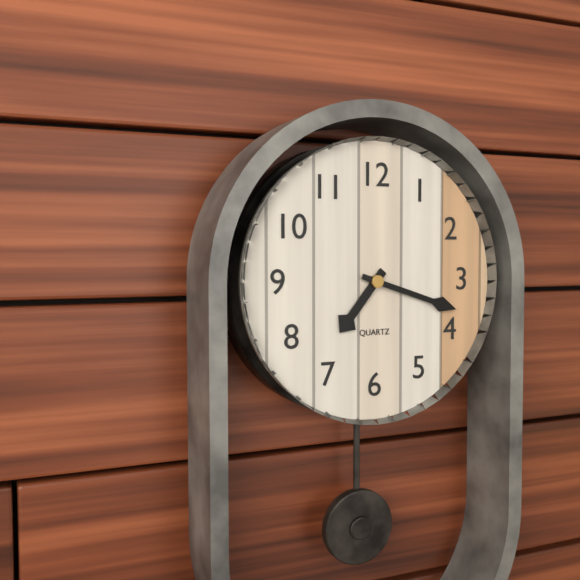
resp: 7h18
